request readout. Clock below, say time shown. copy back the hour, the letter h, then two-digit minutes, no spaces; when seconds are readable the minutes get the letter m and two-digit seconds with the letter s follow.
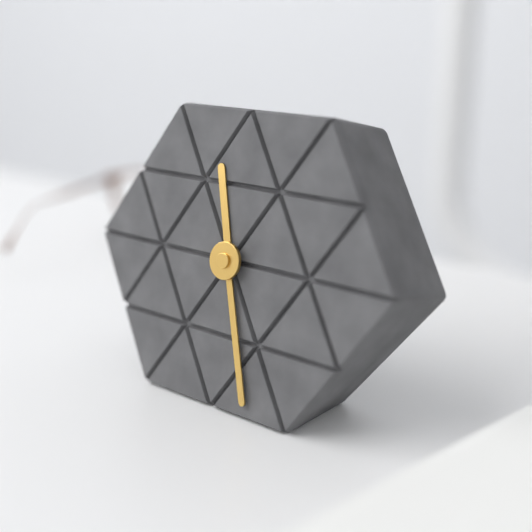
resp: 11h27
